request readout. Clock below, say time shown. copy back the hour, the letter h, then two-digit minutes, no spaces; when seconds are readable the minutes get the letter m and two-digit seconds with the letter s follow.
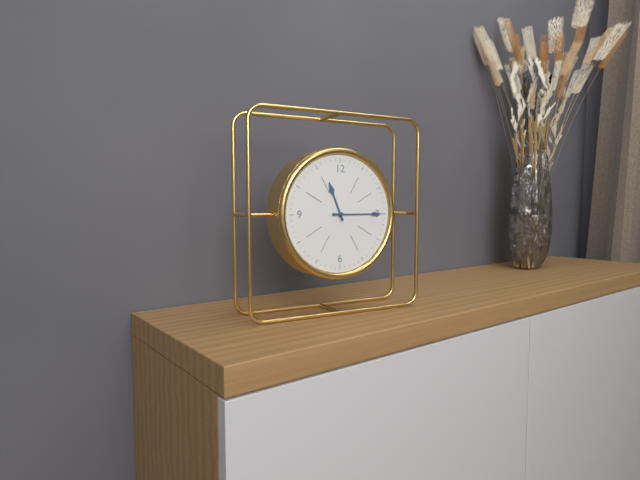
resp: 11h15
